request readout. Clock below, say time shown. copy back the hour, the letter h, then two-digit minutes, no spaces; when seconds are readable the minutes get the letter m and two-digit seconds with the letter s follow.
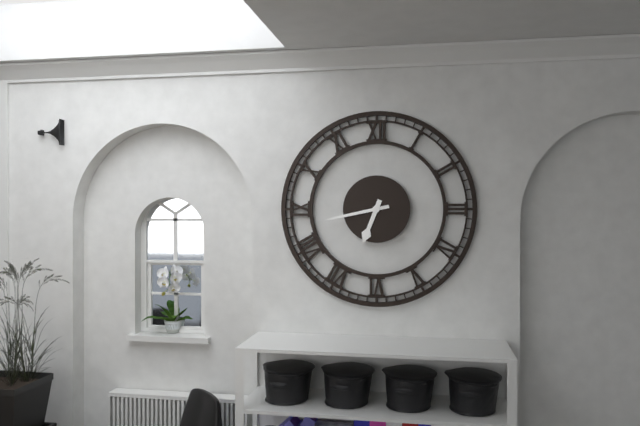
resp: 6h43
